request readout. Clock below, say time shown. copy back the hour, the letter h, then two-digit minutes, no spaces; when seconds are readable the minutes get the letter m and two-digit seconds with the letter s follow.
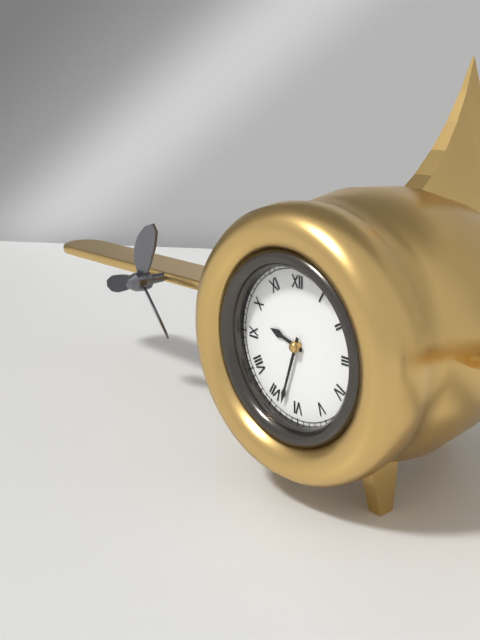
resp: 9h33
